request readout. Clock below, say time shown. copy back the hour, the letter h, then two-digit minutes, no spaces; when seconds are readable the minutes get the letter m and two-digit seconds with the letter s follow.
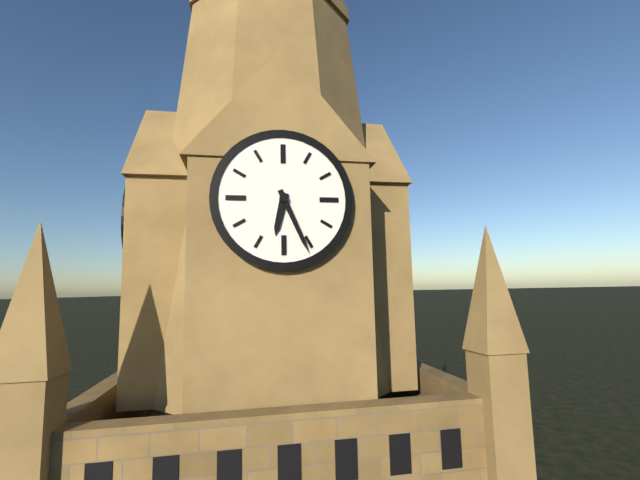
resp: 6h26
